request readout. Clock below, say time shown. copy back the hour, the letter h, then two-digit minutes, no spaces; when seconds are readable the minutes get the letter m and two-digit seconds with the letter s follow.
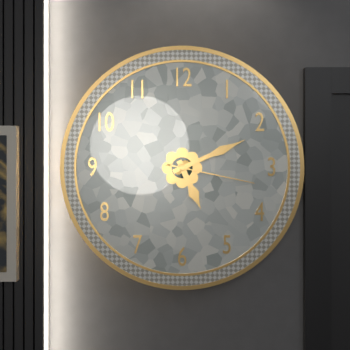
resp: 5h11m17s
